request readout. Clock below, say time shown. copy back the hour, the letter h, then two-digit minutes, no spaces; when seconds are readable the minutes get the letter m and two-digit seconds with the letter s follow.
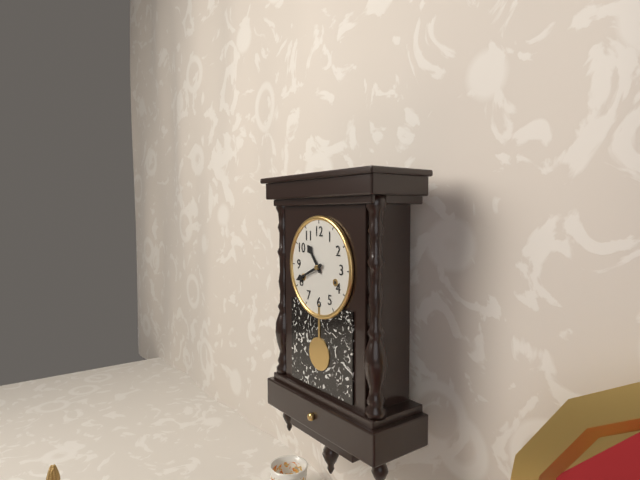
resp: 10h41
